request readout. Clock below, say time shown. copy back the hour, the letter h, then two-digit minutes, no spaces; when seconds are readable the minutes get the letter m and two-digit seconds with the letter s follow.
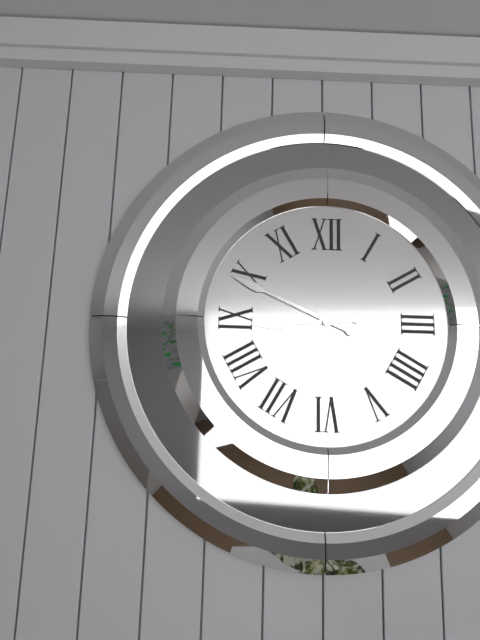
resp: 8h49
